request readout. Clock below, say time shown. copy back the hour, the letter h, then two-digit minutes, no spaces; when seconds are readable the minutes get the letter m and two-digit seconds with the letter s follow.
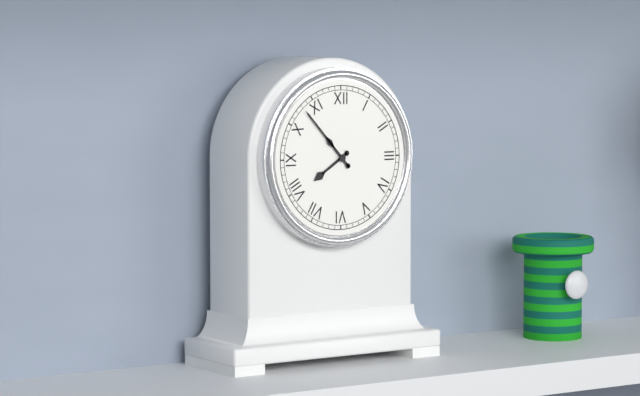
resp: 7h53
